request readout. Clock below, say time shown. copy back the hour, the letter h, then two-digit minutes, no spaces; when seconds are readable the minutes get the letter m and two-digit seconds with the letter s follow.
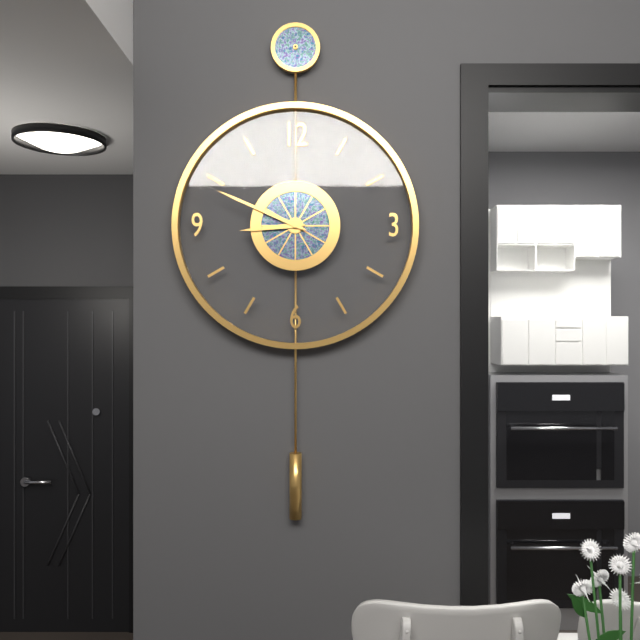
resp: 8h49
